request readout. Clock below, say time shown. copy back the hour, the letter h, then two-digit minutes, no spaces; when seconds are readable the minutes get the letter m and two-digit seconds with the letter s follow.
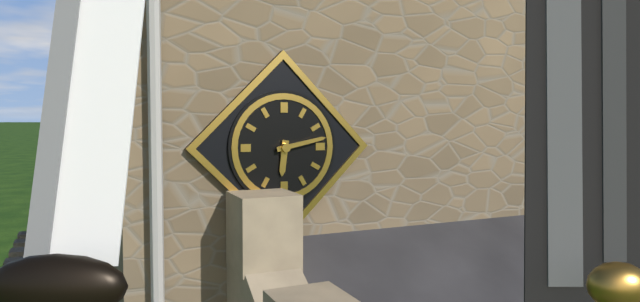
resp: 6h13
